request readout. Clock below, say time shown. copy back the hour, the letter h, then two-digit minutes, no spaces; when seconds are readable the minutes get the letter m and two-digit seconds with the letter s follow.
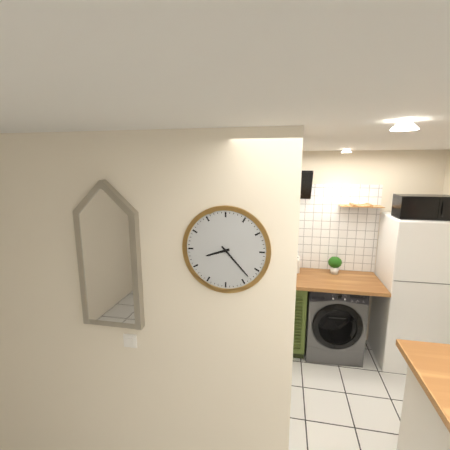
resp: 8h23
